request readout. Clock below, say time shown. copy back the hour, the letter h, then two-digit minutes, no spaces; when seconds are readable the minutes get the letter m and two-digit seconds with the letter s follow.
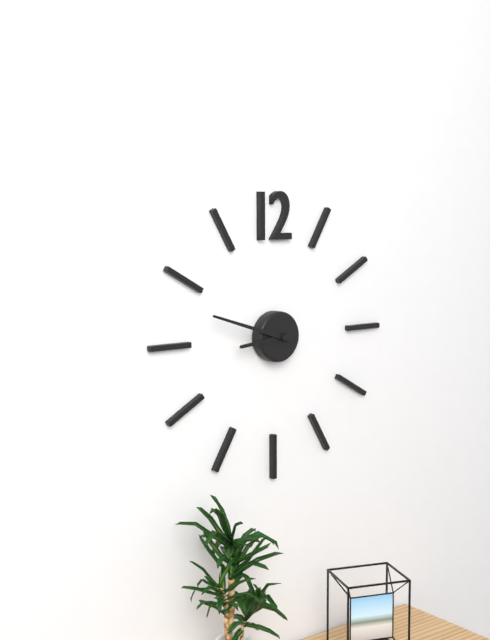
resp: 8h48
